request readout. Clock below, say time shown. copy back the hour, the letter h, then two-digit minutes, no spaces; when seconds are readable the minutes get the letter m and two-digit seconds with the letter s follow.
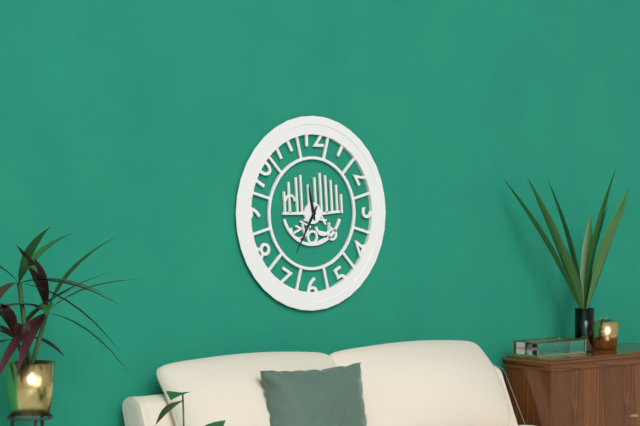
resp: 11h35
